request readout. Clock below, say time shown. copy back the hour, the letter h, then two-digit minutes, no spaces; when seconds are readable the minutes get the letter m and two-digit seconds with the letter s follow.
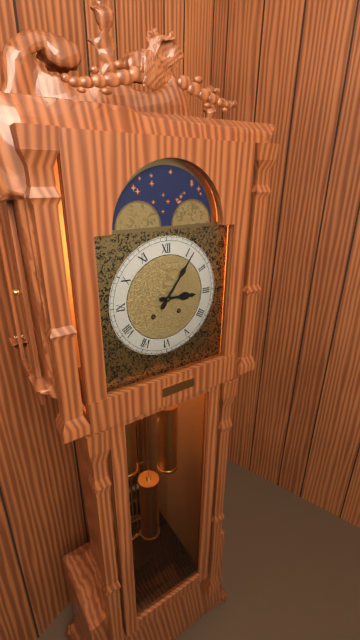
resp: 3h06
